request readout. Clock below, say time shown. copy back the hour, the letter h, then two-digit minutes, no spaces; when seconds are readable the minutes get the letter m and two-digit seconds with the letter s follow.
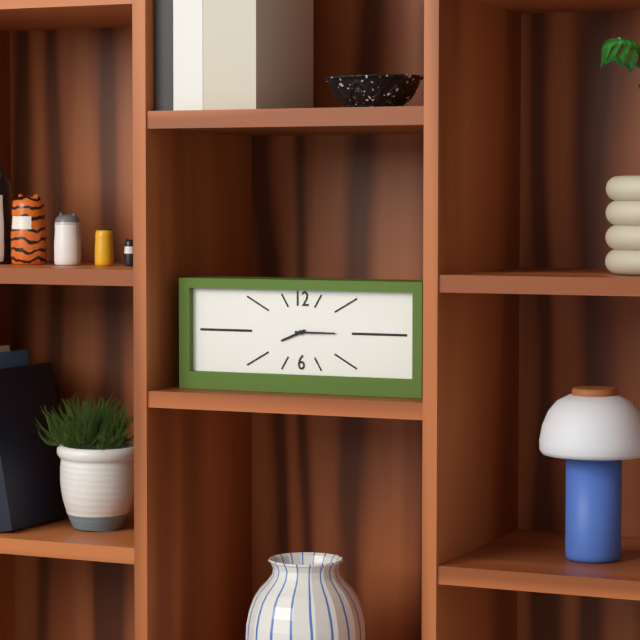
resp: 8h15
